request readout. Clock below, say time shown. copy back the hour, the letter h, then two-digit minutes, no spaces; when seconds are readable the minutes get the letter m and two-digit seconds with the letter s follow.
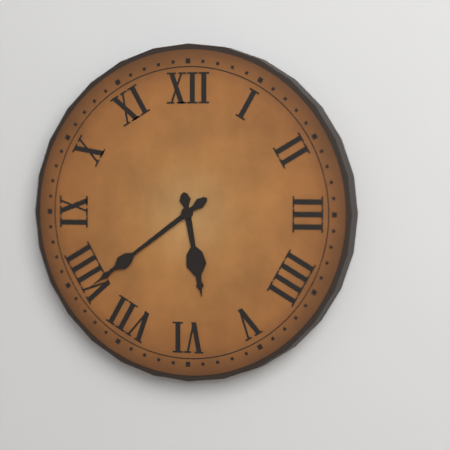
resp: 5h39
